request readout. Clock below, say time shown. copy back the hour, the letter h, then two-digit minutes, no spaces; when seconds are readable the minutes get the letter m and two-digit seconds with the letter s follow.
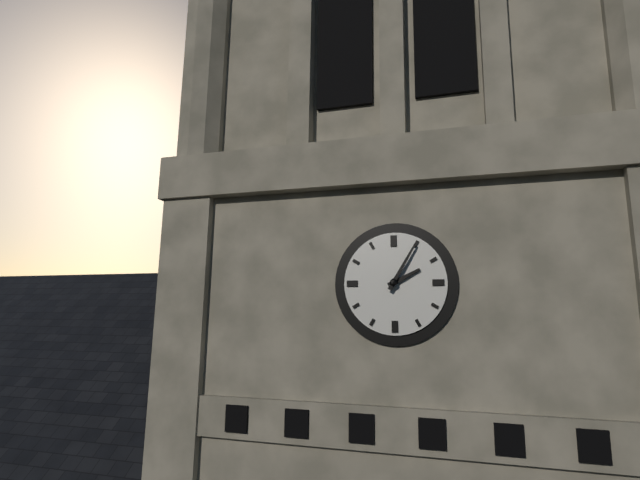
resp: 2h05
